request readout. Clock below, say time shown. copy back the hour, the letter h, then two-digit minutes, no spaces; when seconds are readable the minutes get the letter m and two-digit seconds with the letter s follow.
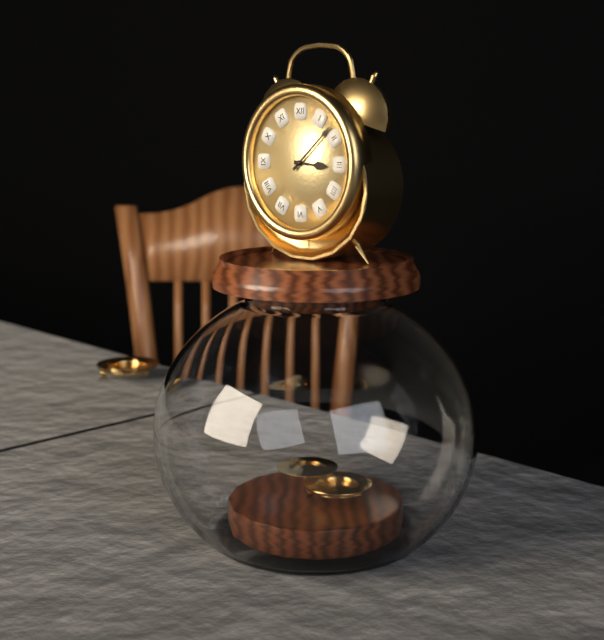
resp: 3h08
